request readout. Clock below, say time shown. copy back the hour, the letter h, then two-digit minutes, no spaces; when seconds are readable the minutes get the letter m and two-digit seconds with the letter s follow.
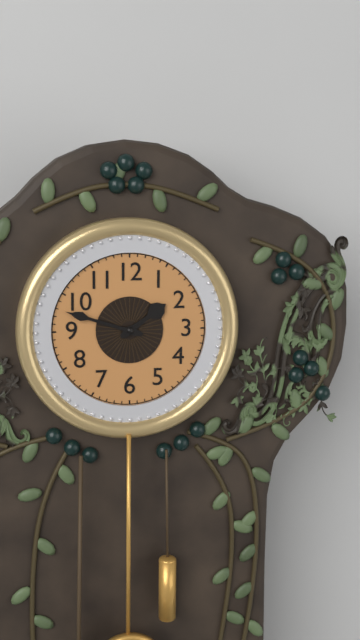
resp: 1h48
